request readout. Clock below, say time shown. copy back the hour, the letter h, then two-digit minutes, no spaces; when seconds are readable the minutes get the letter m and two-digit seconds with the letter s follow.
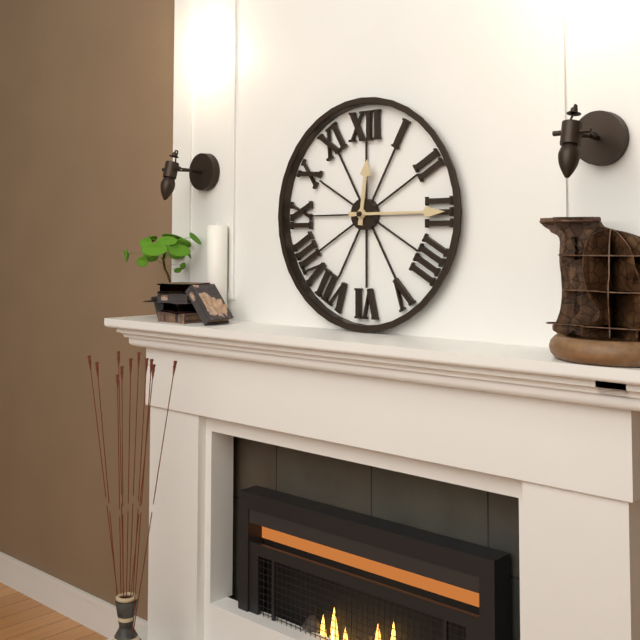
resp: 12h15
